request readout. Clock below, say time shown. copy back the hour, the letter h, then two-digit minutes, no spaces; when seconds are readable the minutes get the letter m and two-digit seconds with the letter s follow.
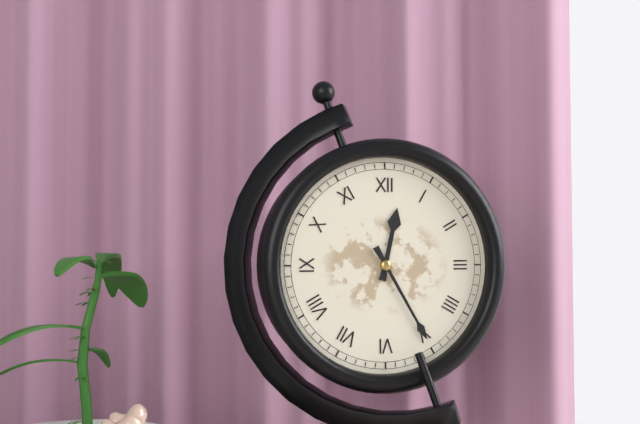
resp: 12h25
